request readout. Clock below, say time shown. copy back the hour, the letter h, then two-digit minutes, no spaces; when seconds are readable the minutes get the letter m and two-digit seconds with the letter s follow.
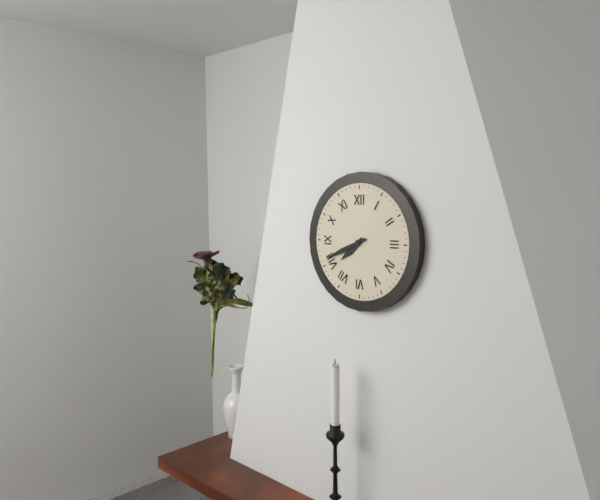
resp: 7h41
